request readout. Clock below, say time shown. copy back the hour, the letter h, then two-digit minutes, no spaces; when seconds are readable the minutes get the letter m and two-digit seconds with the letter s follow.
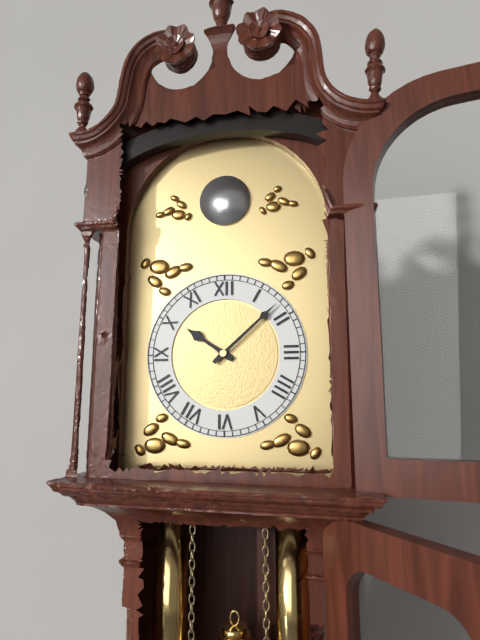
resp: 10h08
